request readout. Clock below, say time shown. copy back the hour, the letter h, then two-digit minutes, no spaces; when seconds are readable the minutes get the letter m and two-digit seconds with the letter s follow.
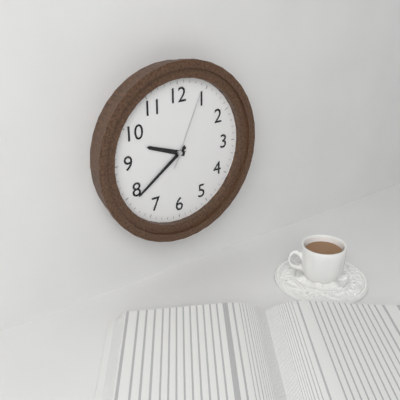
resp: 9h39m04s
